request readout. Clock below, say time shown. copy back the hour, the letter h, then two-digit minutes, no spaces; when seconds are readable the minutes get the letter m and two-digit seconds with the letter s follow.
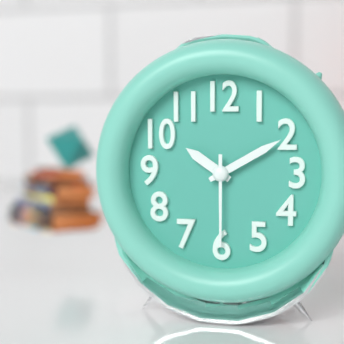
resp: 10h10m30s
